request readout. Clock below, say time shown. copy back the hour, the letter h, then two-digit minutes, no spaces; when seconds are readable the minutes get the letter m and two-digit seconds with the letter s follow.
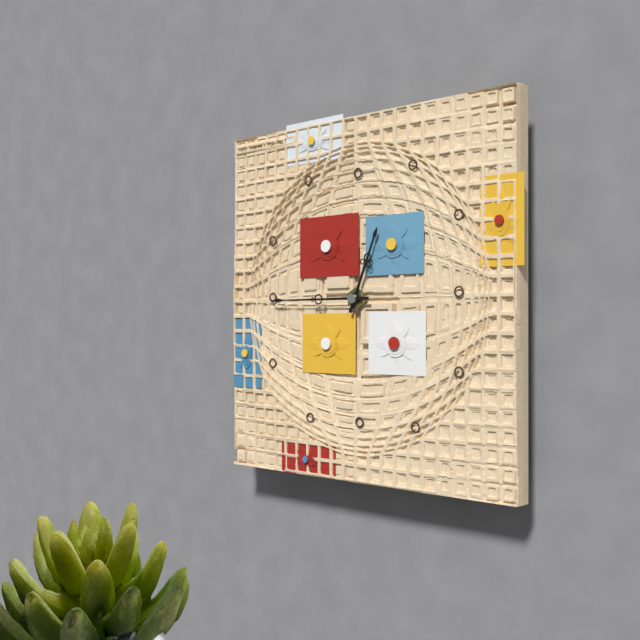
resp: 12h45
